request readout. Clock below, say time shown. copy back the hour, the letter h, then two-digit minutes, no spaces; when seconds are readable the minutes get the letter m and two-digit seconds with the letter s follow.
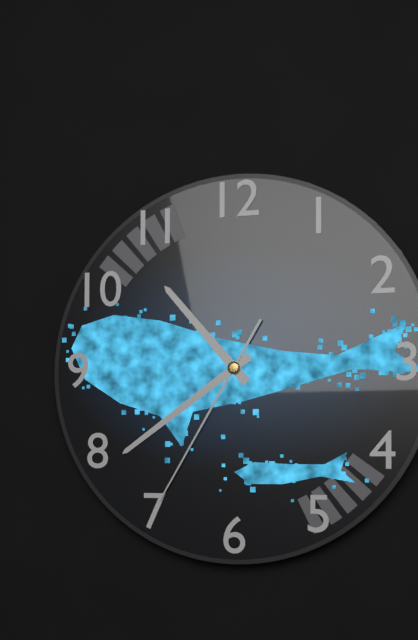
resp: 10h39m35s
